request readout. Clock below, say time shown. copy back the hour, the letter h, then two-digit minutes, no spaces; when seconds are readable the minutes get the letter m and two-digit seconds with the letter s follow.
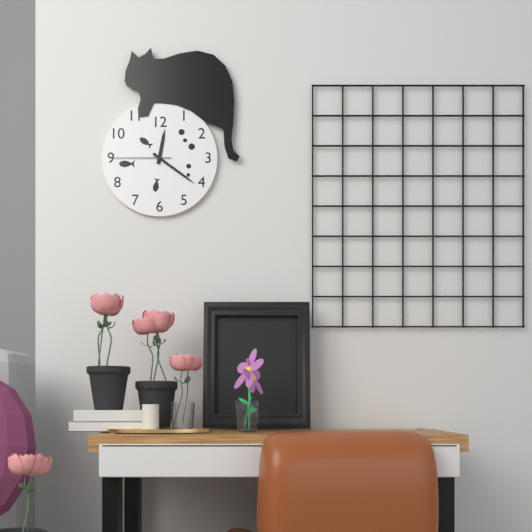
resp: 12h21m45s
